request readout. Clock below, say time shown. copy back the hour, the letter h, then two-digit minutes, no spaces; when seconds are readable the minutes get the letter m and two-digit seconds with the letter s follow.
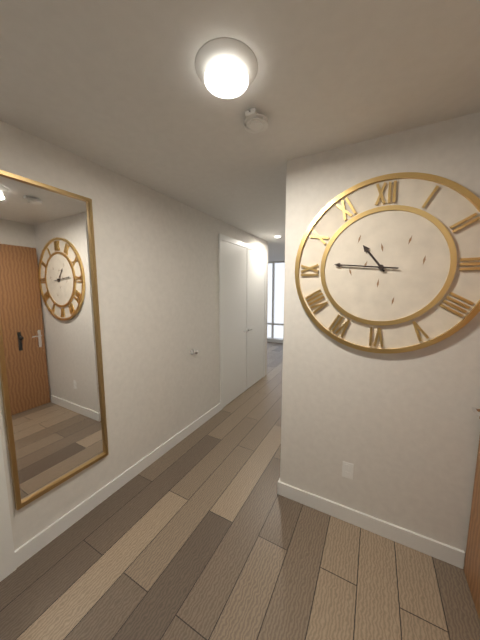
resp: 10h46
